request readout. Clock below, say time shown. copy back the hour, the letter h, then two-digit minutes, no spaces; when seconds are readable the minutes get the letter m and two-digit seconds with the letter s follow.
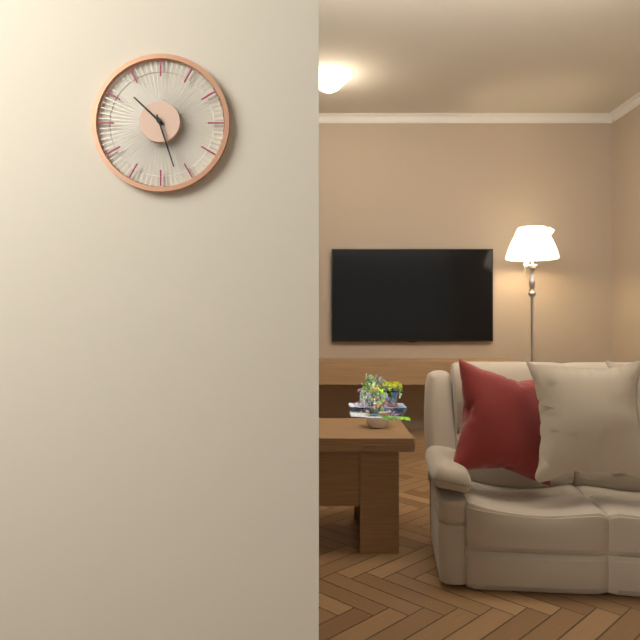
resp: 10h27
